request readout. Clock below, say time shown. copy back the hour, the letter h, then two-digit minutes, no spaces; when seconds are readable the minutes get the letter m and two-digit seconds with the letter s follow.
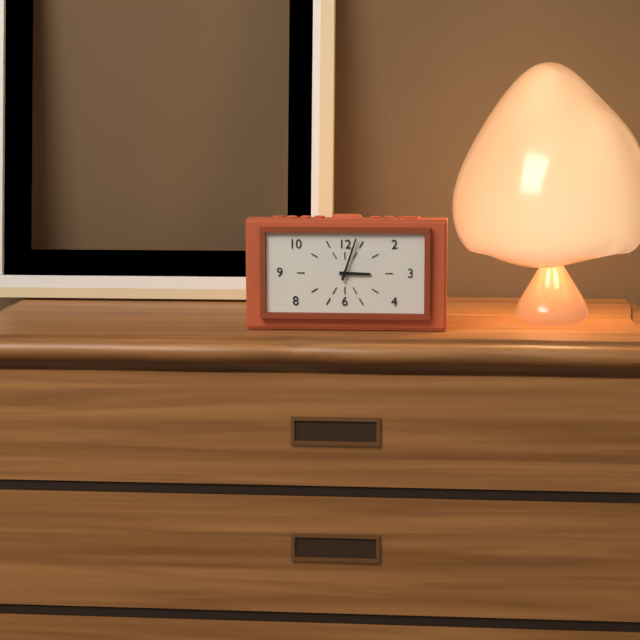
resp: 3h03
